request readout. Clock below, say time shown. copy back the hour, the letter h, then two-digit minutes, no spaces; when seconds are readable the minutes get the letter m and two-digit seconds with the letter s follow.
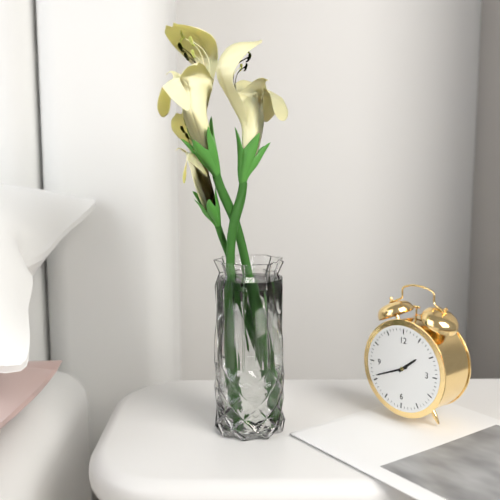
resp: 1h41
